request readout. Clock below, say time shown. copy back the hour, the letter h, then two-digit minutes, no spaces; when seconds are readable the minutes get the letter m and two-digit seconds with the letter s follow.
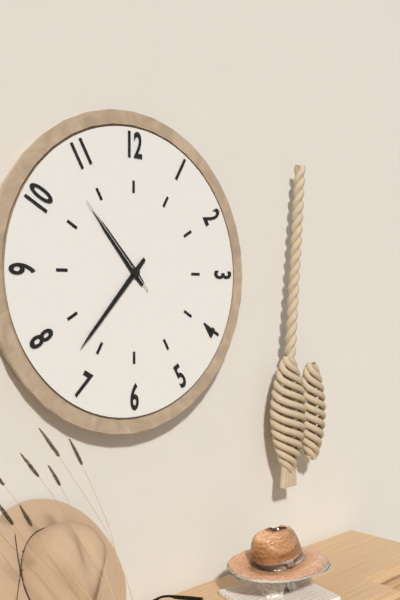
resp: 10h37m53s
